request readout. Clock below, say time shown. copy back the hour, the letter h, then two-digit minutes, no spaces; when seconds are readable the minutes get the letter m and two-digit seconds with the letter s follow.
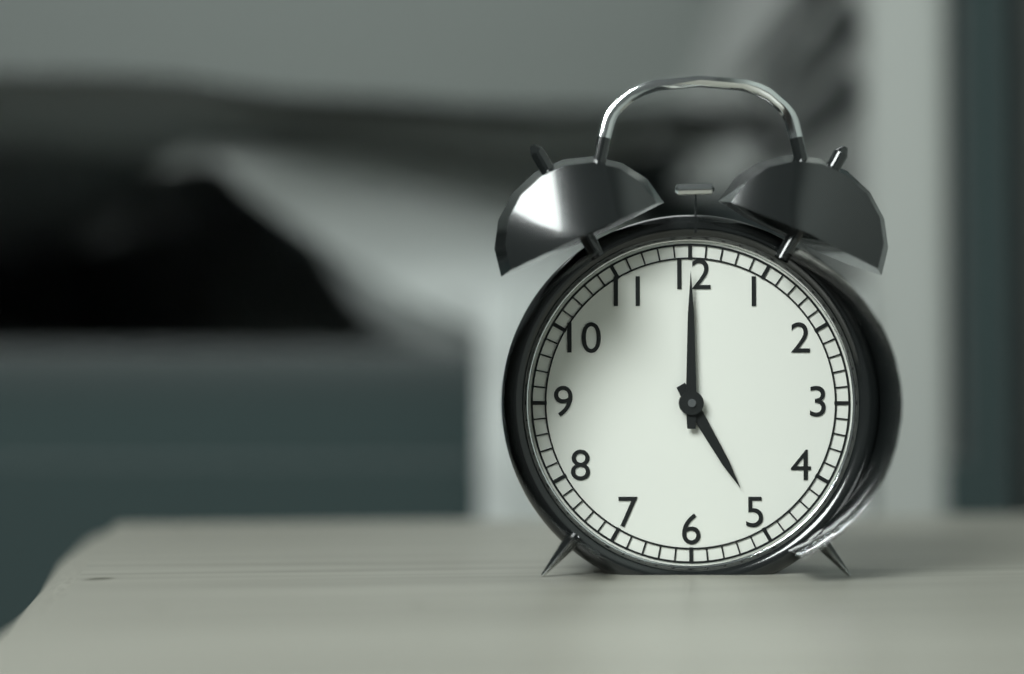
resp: 5h00
